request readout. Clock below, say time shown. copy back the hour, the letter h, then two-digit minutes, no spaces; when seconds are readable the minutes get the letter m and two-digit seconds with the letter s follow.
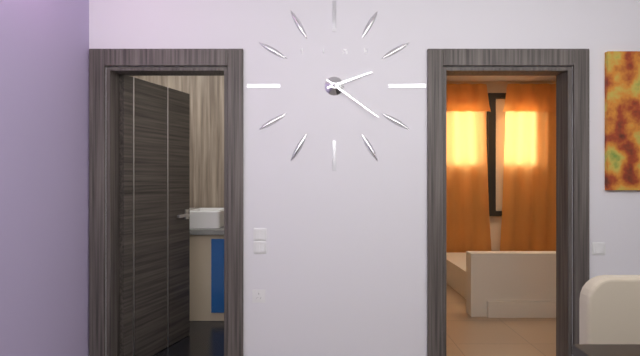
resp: 2h21
